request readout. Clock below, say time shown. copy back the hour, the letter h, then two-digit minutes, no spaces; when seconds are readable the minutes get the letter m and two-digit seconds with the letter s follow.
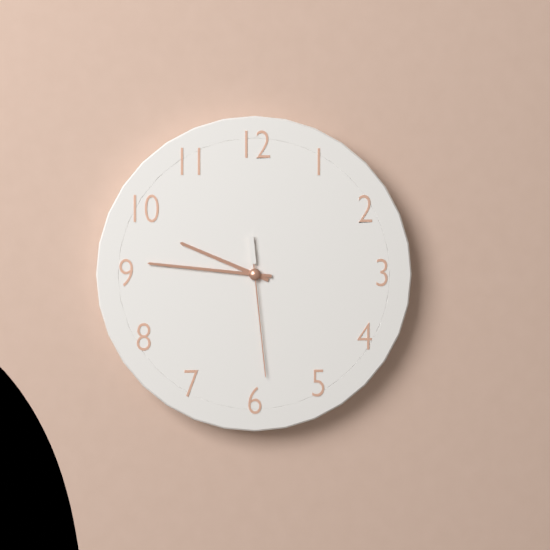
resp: 9h46m29s
